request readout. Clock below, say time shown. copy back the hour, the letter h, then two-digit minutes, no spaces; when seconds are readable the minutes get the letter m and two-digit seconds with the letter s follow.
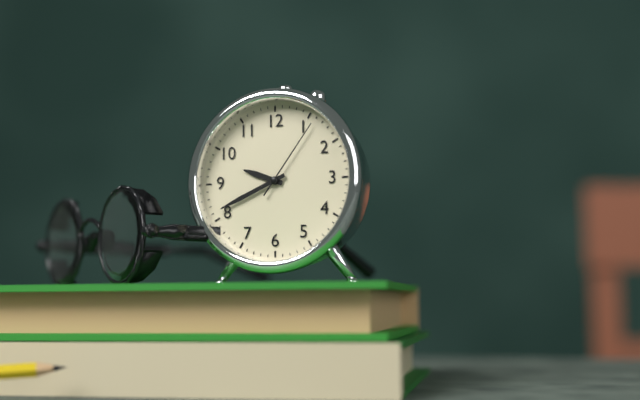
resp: 9h41m06s
